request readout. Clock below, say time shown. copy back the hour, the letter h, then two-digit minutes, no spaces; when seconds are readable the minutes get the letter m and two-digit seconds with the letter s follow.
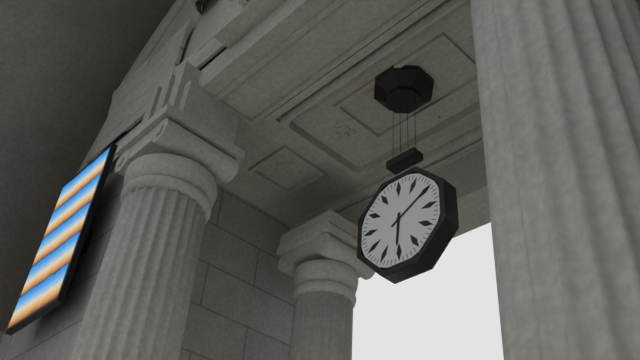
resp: 6h10
